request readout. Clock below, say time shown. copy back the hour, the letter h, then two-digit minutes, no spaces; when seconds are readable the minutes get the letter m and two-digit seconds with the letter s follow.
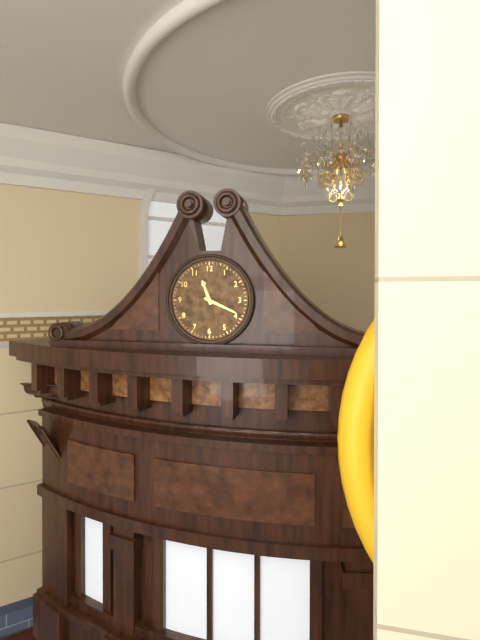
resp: 11h19
